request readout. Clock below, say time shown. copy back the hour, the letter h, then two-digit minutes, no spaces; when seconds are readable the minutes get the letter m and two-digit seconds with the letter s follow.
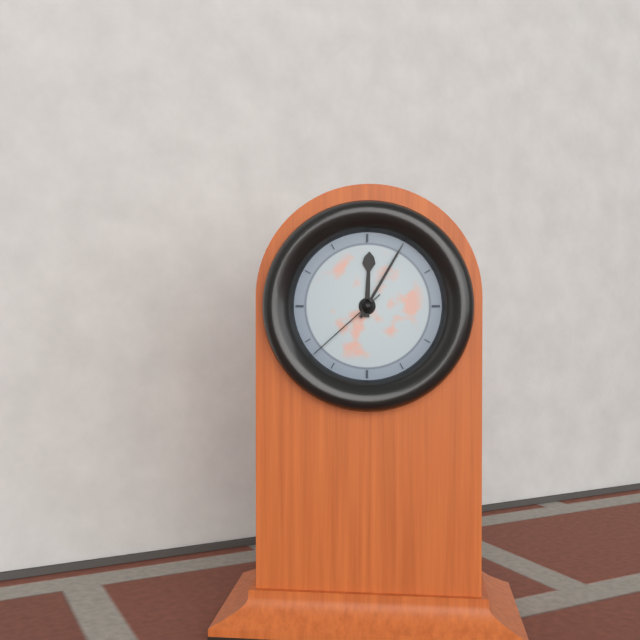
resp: 12h05m38s
